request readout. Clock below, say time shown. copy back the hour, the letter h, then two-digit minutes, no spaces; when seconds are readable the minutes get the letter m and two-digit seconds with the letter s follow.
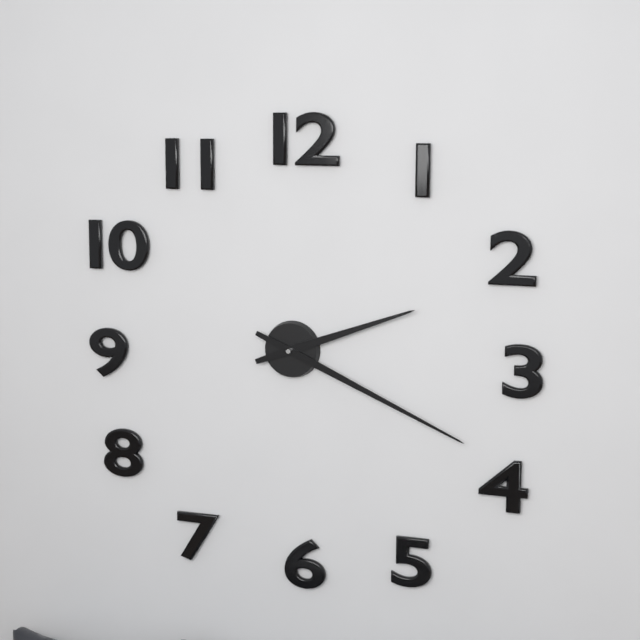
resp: 2h19
